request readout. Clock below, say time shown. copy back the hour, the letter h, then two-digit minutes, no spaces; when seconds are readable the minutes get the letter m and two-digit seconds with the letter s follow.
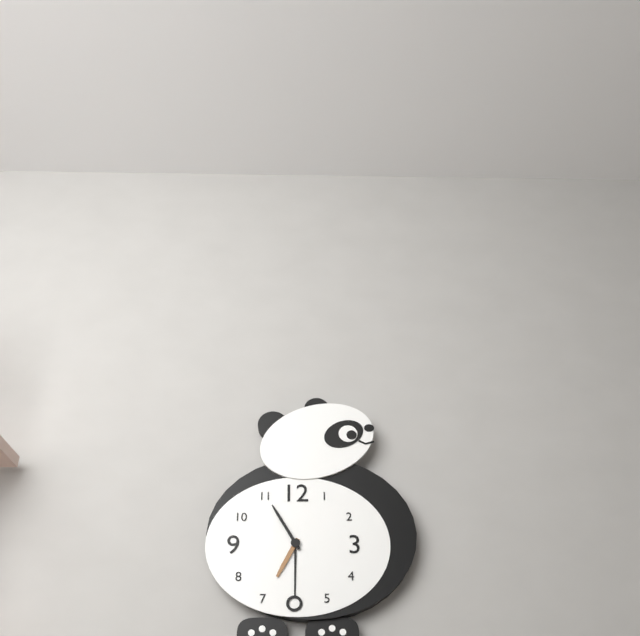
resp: 6h55
